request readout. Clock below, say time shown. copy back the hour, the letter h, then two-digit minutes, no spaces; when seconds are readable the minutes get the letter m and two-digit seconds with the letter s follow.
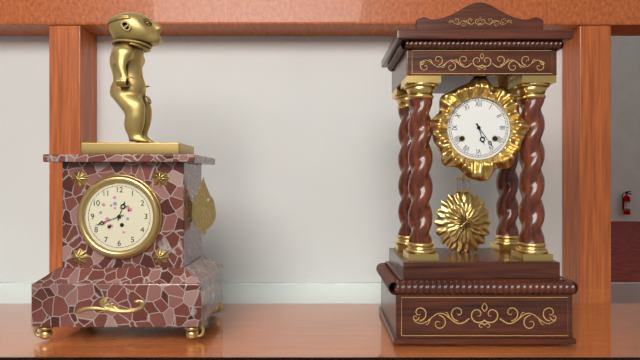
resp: 5h24
